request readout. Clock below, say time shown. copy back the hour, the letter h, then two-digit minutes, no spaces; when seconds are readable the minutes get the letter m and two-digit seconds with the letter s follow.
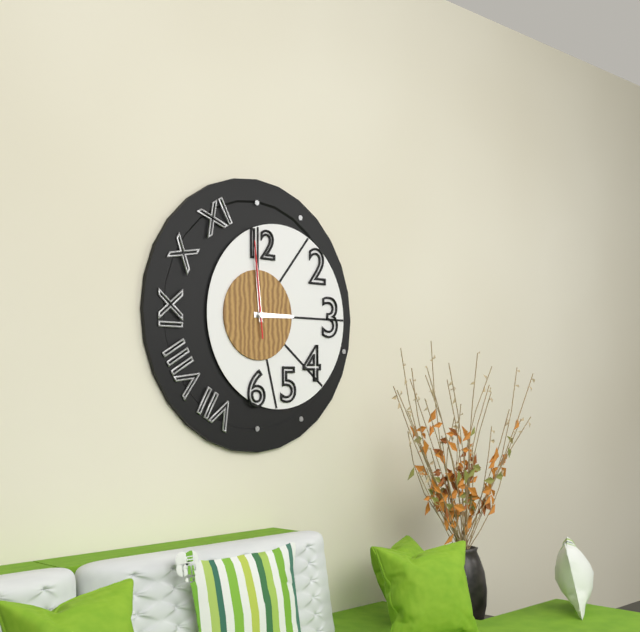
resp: 2h59m59s
